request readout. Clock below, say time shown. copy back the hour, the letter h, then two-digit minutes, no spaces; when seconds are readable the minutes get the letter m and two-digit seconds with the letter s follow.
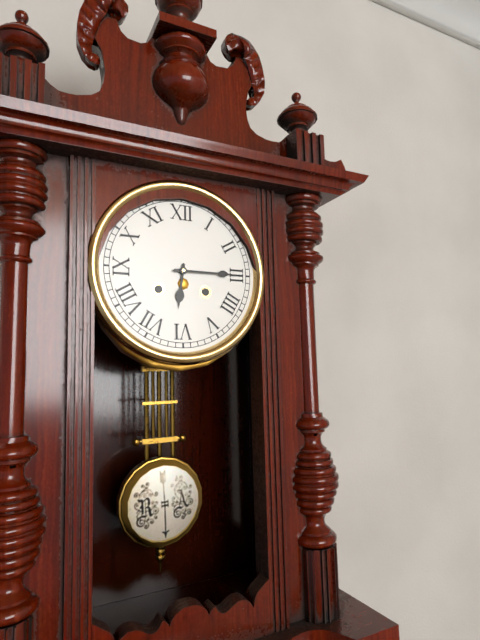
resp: 6h15
